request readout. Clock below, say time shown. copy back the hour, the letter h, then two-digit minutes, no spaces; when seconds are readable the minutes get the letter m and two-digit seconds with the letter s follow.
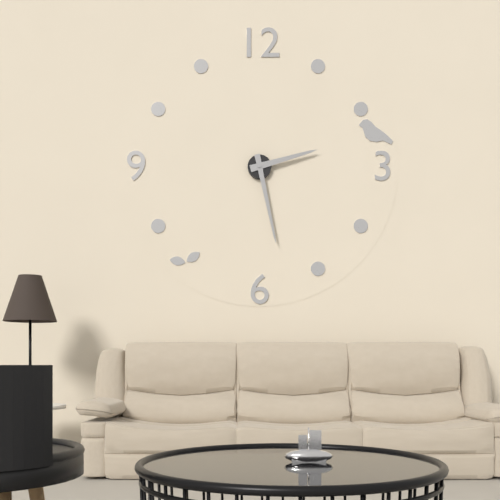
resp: 2h28
